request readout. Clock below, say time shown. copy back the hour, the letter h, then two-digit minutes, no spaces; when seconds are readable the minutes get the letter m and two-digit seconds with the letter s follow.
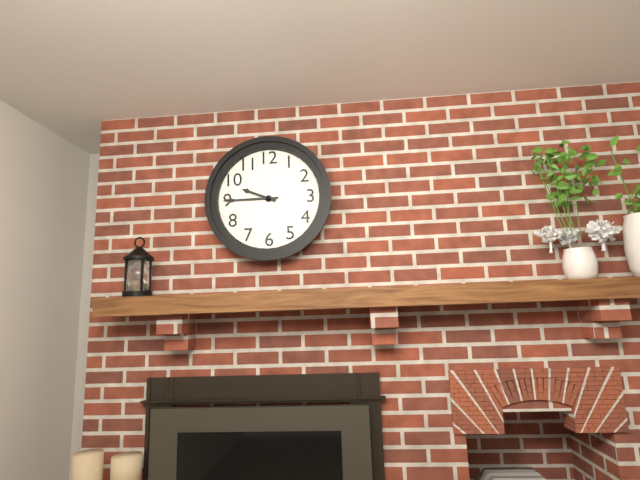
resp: 9h45
